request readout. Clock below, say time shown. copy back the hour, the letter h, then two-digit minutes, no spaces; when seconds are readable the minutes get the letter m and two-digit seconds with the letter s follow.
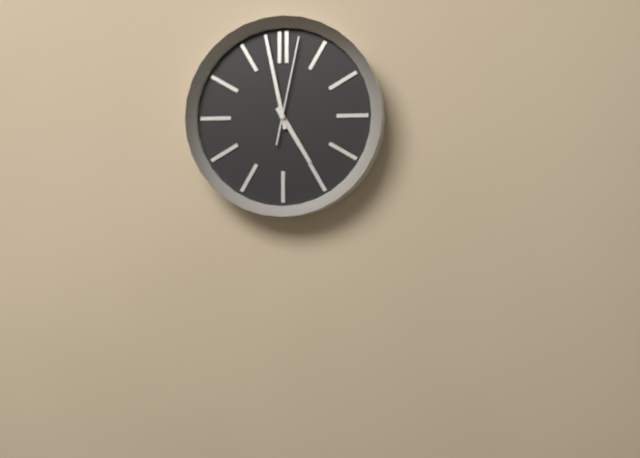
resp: 4h58m02s
